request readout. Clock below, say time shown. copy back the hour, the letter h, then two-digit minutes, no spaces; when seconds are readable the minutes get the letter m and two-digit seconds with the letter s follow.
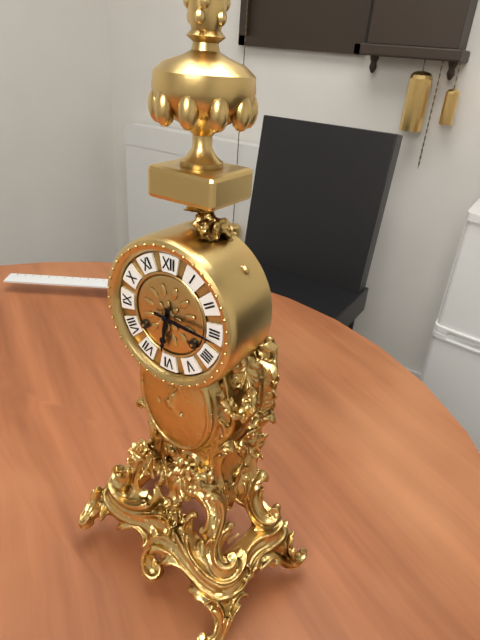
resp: 6h16
